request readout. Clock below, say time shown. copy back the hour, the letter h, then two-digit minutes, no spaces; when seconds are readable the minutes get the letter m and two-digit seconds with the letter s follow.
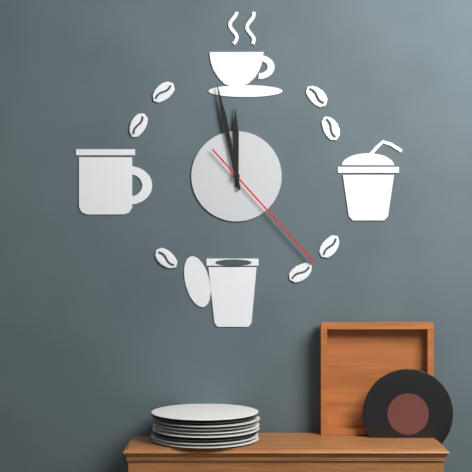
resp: 11h58m23s
